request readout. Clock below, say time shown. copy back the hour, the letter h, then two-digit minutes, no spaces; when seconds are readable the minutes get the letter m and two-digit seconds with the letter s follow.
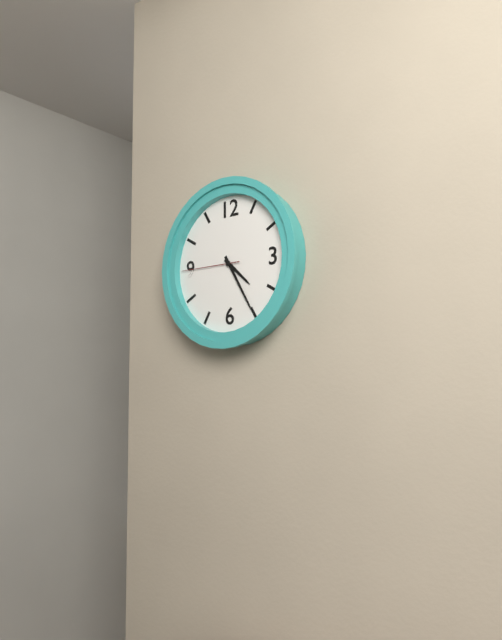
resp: 4h25m45s
